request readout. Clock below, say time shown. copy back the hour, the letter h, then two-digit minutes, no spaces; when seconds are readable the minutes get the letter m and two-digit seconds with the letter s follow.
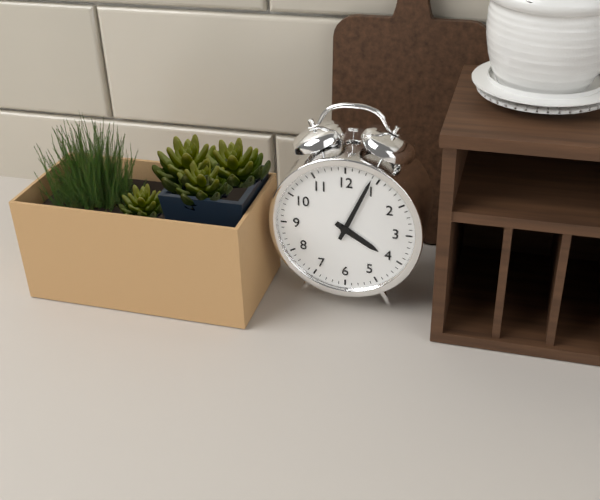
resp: 4h04
